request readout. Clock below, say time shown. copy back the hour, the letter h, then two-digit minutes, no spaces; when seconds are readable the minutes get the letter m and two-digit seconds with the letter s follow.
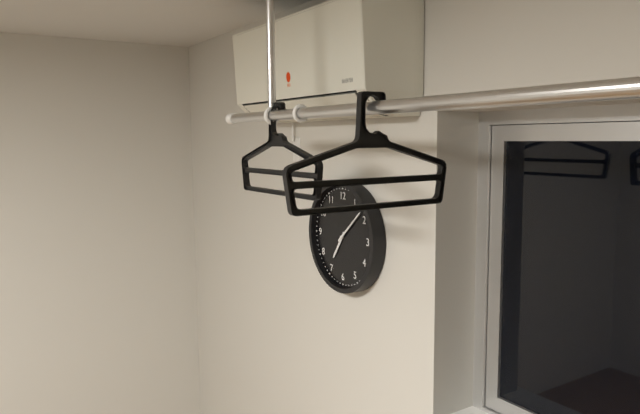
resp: 7h08
